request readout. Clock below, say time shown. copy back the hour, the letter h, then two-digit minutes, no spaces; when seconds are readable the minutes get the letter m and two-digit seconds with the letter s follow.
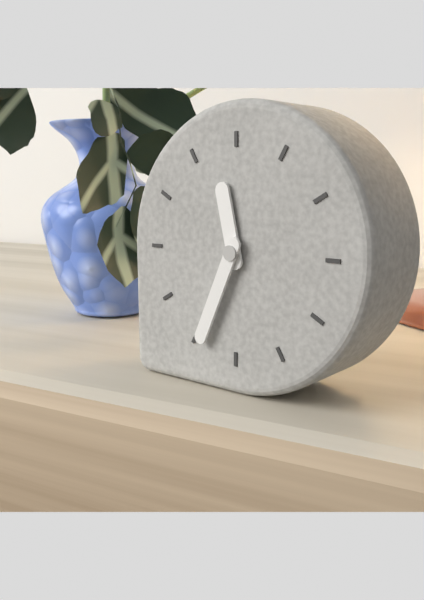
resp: 11h34
